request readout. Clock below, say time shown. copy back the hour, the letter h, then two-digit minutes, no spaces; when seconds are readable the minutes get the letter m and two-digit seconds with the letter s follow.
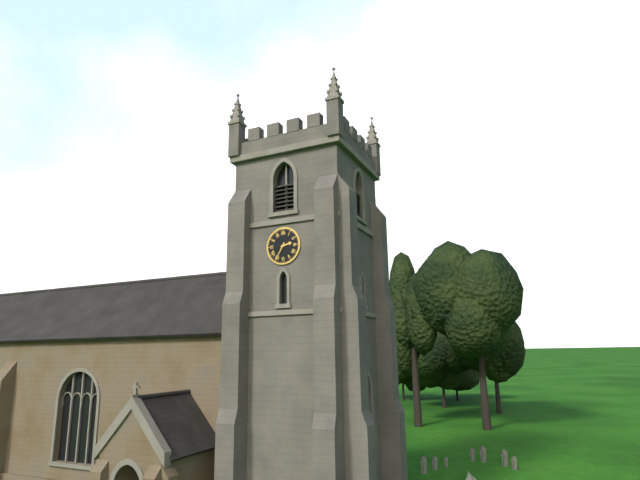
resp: 2h35
